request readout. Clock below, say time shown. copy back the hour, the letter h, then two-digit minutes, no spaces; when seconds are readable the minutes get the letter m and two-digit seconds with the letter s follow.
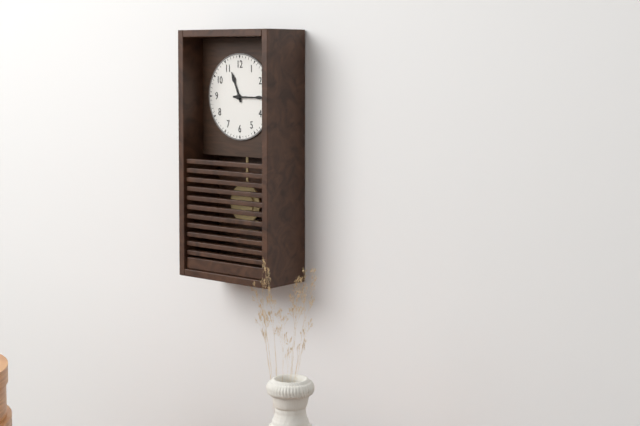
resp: 11h15
